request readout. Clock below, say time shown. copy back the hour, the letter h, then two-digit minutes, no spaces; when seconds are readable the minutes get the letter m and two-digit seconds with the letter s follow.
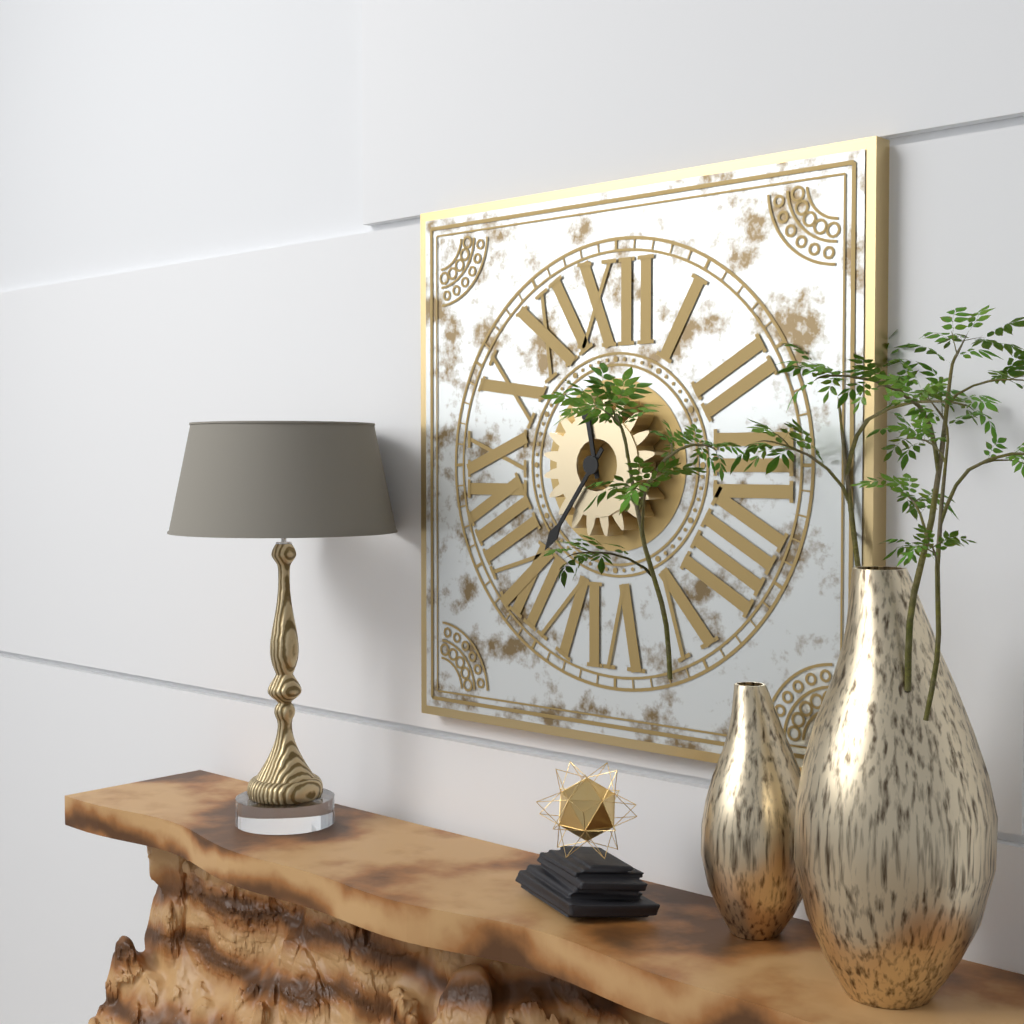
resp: 11h36
